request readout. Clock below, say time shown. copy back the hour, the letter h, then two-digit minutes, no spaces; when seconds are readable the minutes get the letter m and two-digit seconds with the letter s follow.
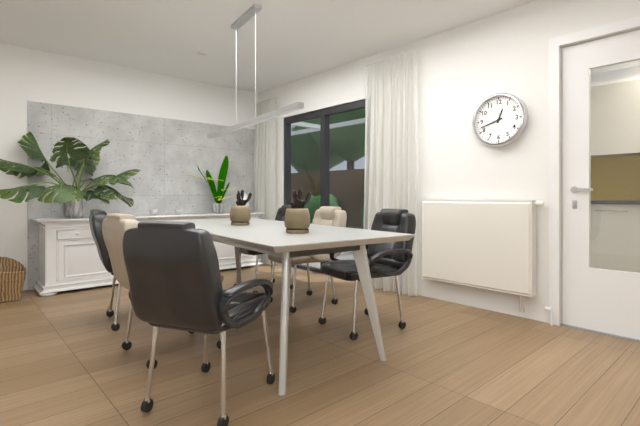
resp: 12h42
